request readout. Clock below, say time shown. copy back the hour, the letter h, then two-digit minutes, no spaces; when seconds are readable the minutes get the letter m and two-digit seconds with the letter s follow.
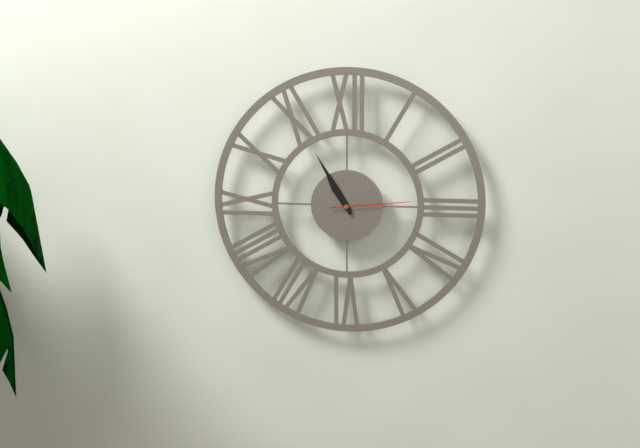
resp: 10h55m14s
